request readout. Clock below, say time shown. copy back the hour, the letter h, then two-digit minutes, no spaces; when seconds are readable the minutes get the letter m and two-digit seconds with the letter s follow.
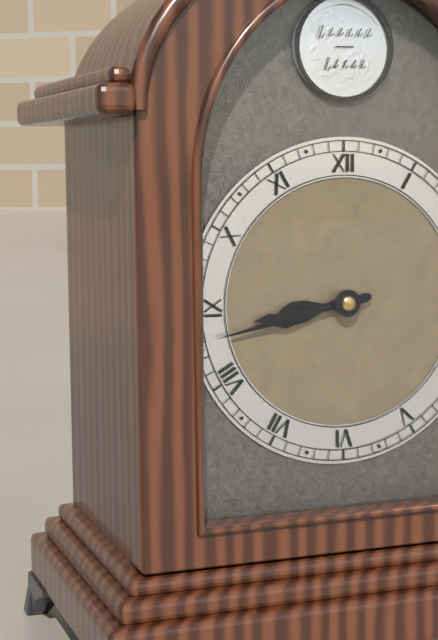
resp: 8h43
